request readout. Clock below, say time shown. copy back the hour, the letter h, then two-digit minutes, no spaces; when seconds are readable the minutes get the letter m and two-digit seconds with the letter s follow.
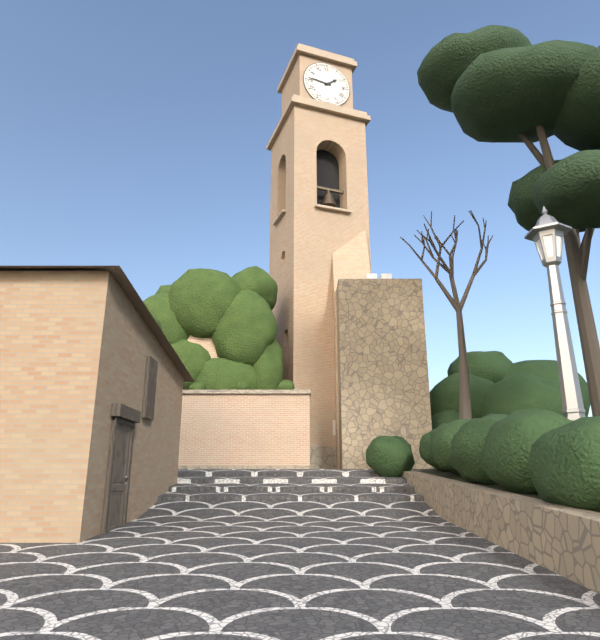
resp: 1h46
